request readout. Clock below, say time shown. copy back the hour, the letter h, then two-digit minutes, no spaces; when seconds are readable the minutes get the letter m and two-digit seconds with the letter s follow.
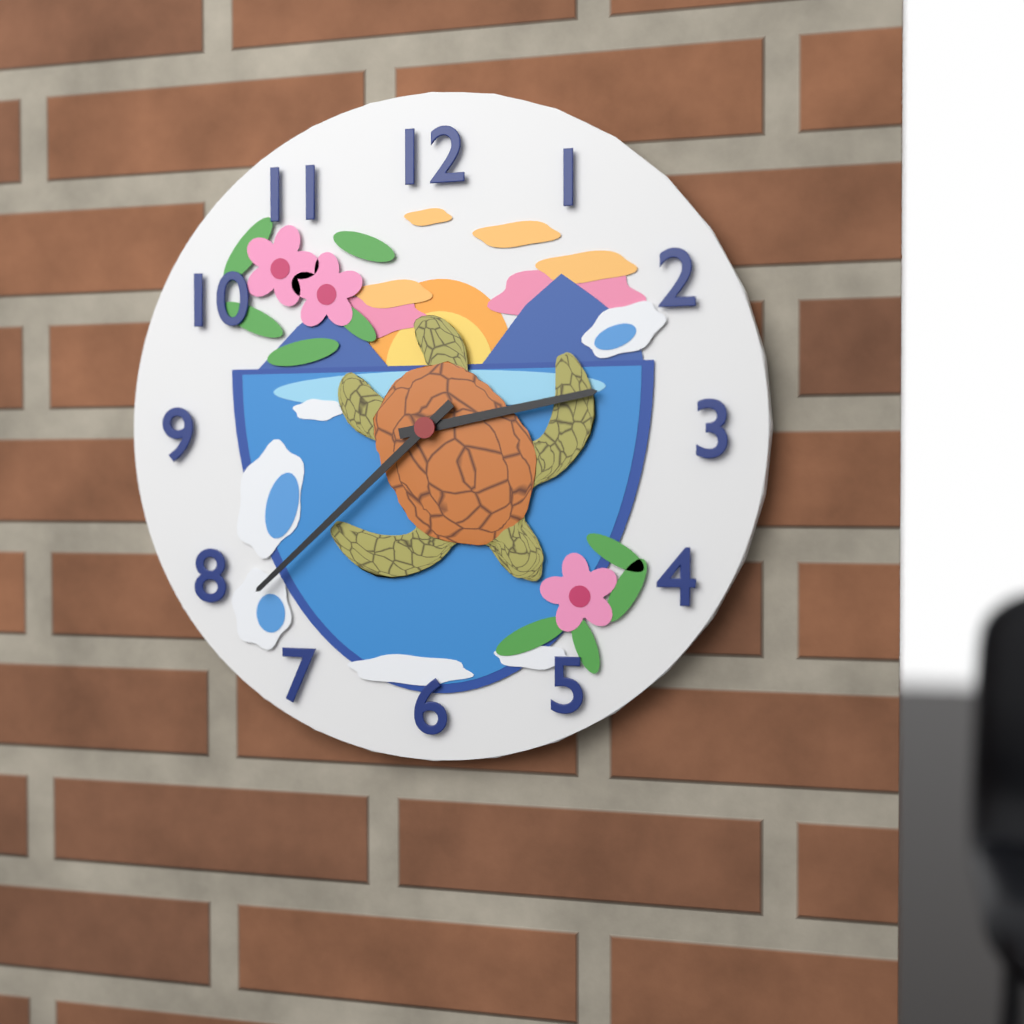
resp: 2h38
